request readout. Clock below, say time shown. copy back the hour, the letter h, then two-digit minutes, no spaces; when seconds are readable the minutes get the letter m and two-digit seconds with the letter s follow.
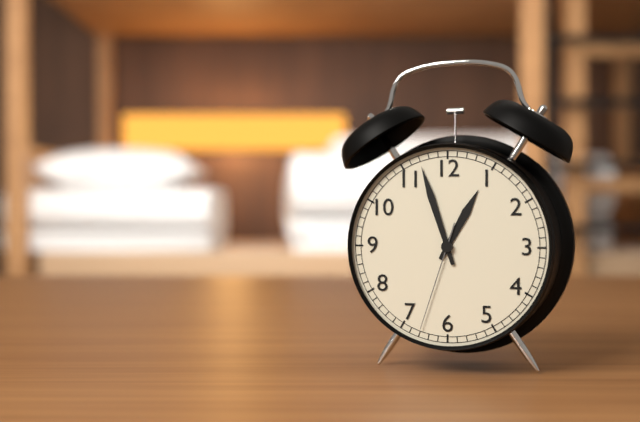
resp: 12h57m33s
